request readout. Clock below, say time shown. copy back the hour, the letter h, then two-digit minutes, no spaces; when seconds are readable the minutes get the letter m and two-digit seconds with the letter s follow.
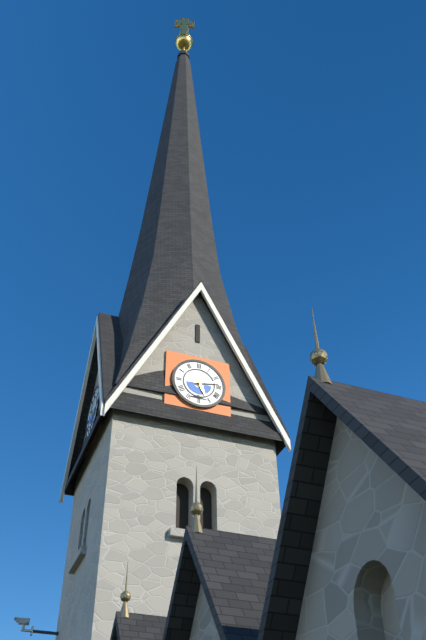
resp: 5h13
